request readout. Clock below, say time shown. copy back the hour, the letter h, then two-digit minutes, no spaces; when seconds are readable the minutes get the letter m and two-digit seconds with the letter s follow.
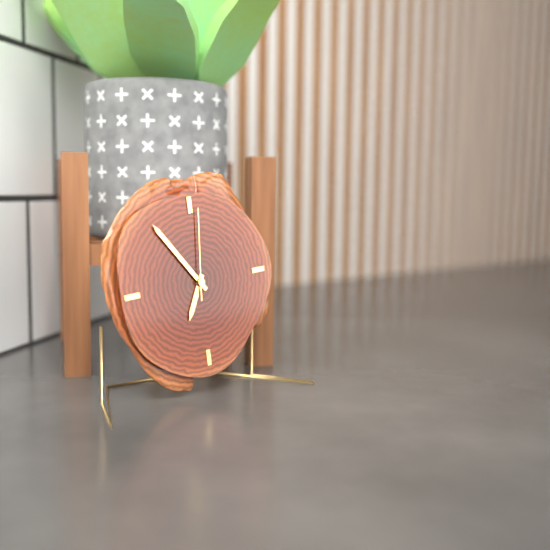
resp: 6h54m01s
